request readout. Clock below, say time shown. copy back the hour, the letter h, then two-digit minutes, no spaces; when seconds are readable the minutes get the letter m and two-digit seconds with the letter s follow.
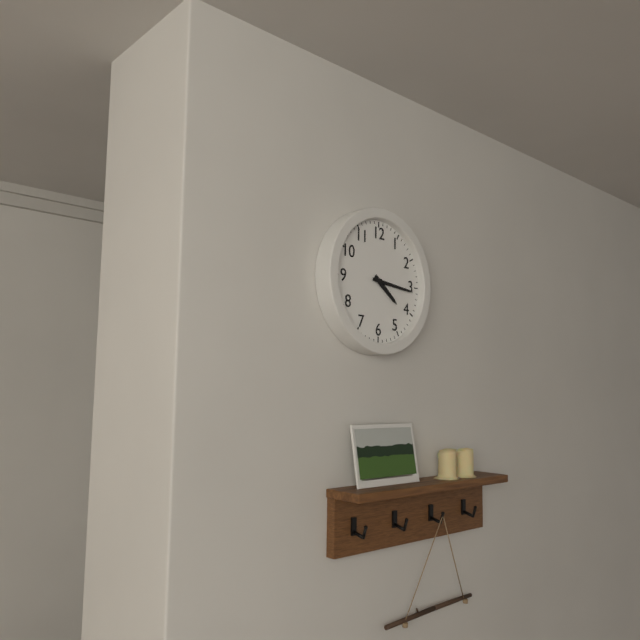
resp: 4h16
